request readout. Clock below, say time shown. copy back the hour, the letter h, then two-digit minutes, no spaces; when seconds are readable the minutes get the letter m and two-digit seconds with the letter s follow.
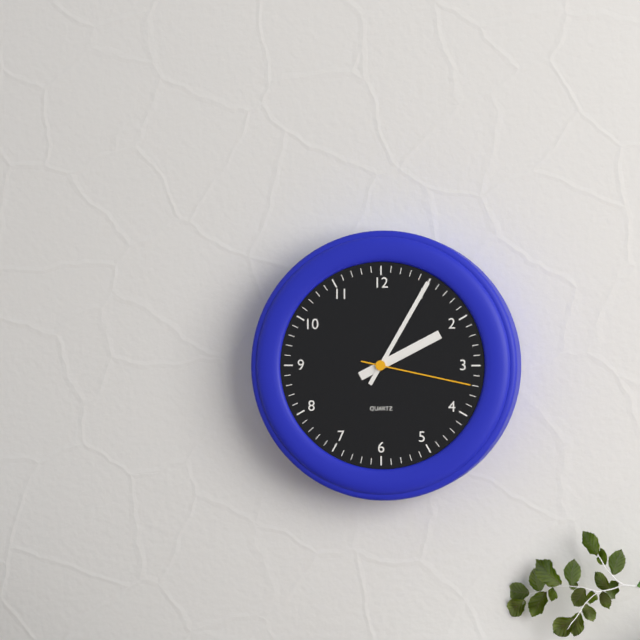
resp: 2h05m17s
